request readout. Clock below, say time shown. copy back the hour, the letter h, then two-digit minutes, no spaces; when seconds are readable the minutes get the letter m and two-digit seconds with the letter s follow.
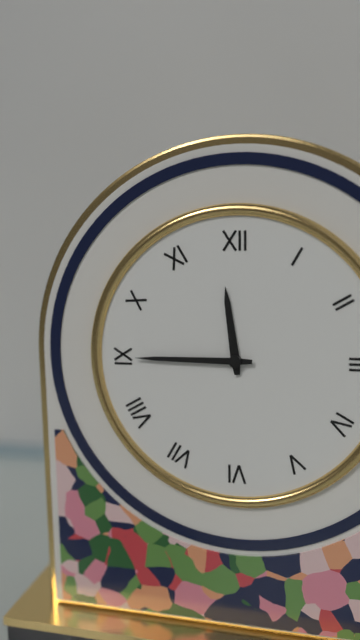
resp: 11h45
